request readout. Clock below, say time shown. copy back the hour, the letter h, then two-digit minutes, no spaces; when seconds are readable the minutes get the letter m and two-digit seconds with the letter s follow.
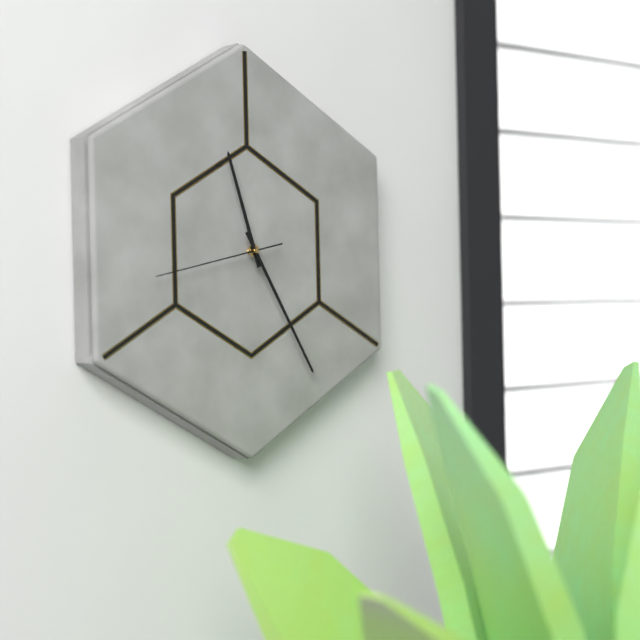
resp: 11h25m43s
